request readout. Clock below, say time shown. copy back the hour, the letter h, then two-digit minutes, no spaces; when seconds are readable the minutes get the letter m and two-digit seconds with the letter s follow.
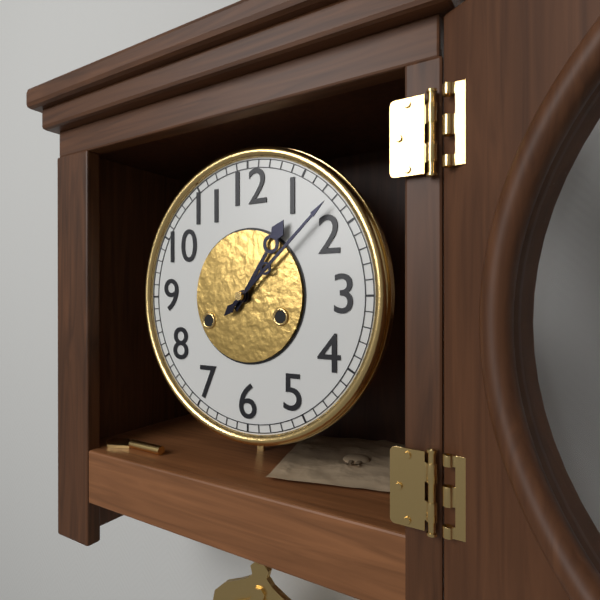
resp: 1h08
